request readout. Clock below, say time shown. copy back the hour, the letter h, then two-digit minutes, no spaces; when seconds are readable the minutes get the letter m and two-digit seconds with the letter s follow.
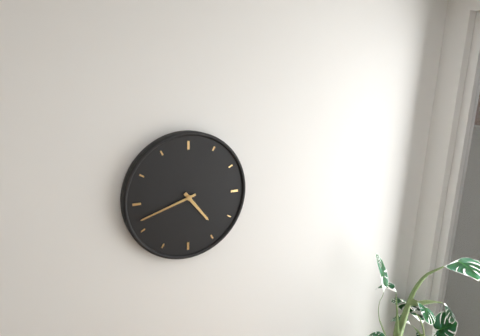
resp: 4h42
